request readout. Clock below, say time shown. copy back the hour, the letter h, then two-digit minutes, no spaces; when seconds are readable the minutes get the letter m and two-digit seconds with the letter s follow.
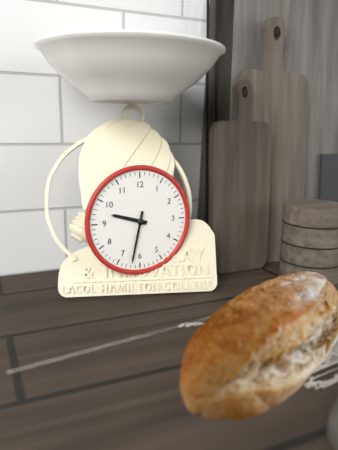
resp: 9h32
